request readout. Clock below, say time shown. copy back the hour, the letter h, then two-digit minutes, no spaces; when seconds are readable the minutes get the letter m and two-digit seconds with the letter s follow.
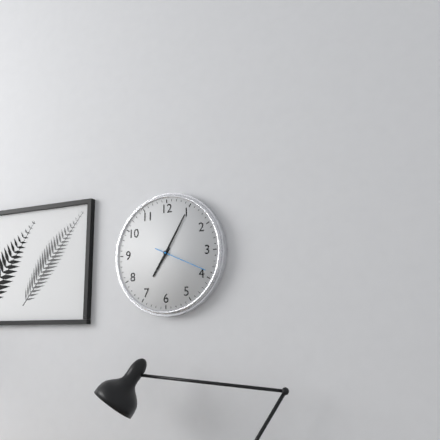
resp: 7h05m19s
